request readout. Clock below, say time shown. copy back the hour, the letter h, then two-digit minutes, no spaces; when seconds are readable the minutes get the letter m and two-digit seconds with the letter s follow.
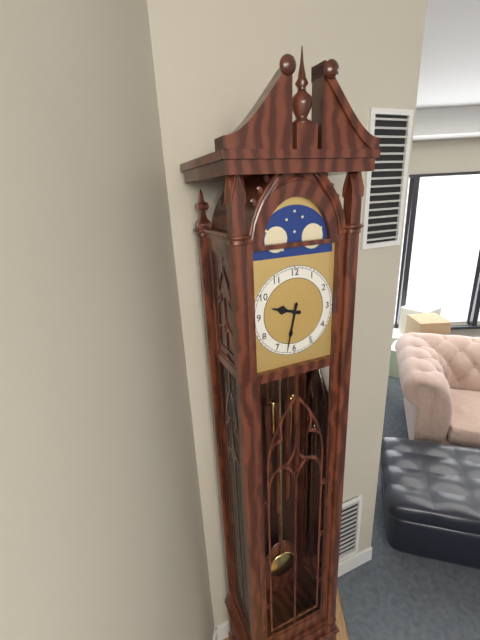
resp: 9h32
